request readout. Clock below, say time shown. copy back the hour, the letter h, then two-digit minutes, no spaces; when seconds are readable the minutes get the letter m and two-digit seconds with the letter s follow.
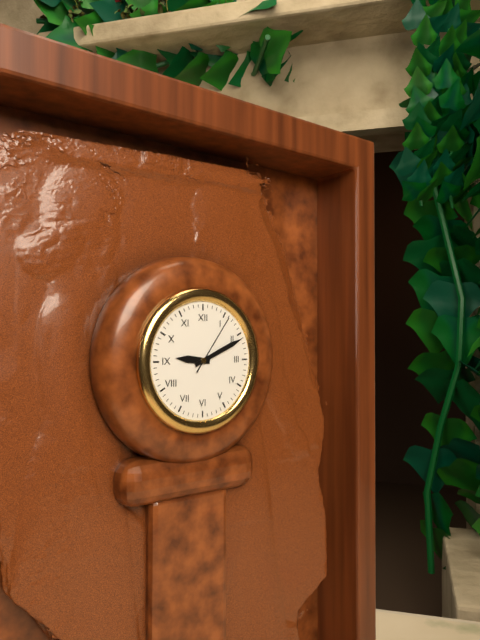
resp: 9h11m06s
